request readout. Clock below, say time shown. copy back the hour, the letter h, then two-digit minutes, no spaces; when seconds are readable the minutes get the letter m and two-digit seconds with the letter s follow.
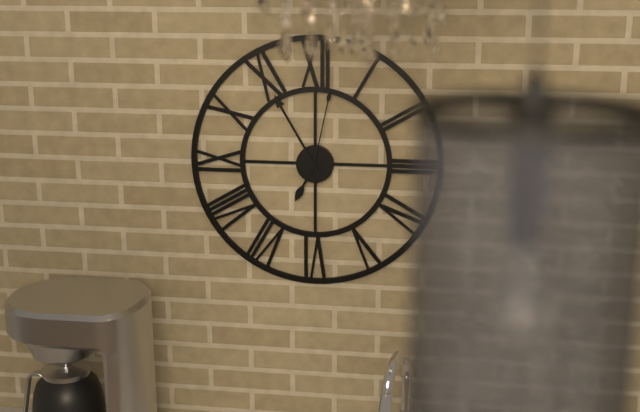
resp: 6h55m02s
